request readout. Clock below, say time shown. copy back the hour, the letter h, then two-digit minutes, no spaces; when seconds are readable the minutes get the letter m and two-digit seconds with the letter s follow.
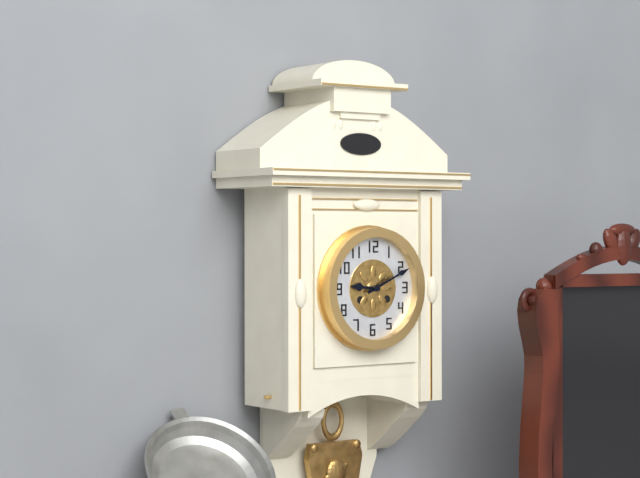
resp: 9h11
